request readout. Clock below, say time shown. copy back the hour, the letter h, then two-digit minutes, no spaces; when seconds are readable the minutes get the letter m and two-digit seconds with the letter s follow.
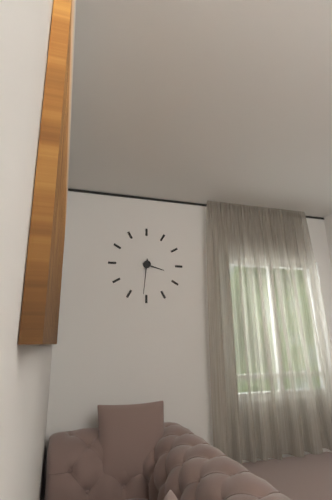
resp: 3h31
